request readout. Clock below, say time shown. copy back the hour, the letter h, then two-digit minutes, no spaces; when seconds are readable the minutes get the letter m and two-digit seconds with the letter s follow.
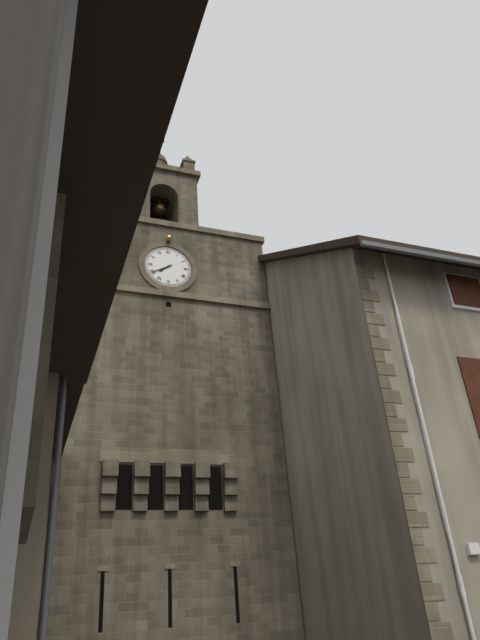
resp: 7h40
